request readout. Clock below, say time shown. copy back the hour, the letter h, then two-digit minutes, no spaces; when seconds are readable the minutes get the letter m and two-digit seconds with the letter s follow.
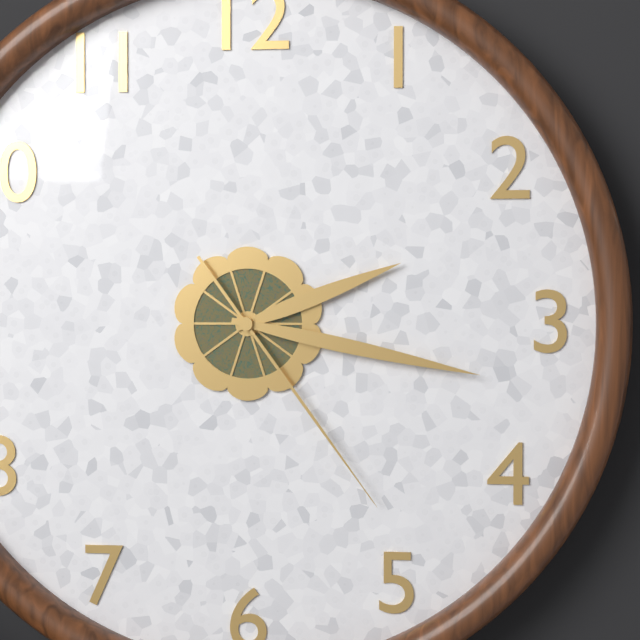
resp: 2h17m24s
